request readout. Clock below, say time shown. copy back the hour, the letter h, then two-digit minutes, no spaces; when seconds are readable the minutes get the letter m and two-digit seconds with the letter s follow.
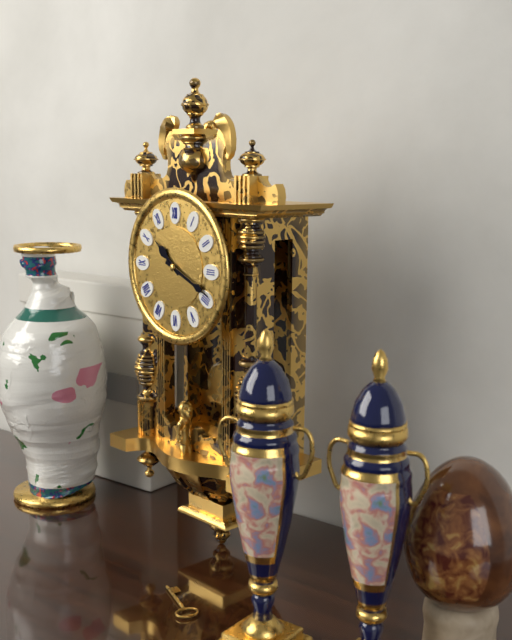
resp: 10h19
